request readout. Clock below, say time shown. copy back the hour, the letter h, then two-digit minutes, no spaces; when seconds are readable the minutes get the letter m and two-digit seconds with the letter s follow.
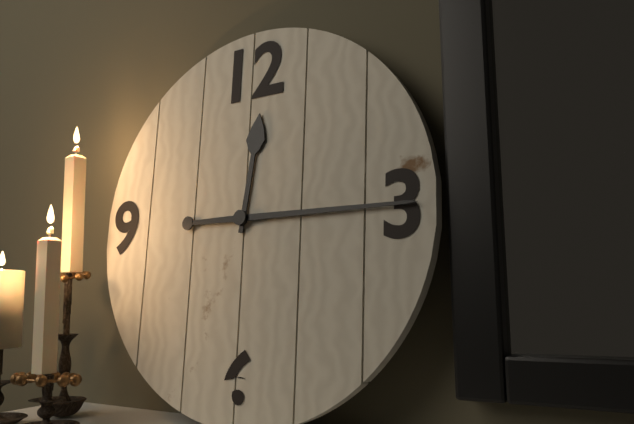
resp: 12h15
